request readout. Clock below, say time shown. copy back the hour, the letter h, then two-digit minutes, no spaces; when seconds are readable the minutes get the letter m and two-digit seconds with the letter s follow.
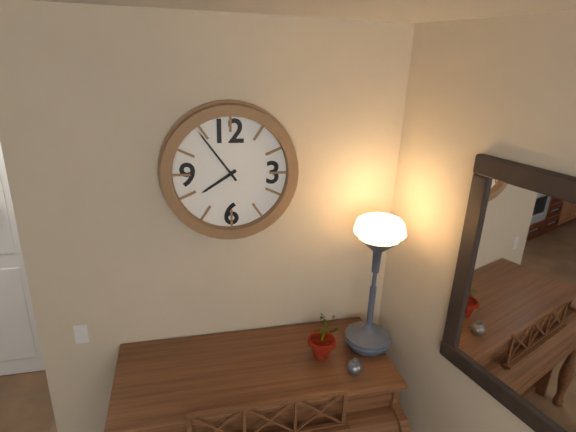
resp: 7h54
